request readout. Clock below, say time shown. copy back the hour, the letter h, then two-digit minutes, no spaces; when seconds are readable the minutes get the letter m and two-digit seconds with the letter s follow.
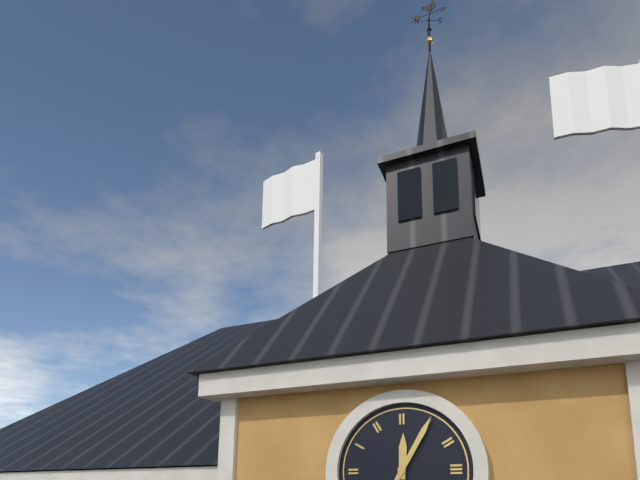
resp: 12h05
